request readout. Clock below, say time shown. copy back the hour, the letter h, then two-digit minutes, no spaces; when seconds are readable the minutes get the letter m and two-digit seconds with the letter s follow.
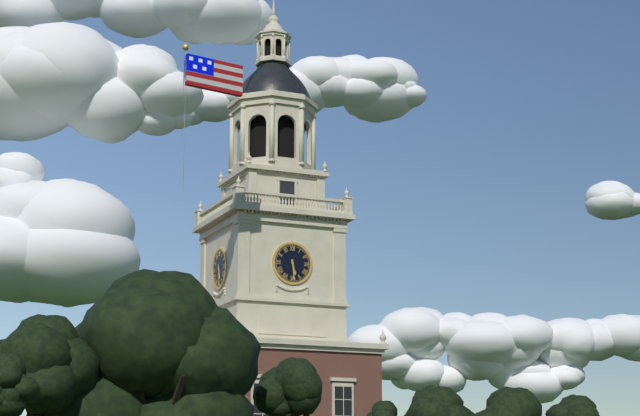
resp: 5h29
